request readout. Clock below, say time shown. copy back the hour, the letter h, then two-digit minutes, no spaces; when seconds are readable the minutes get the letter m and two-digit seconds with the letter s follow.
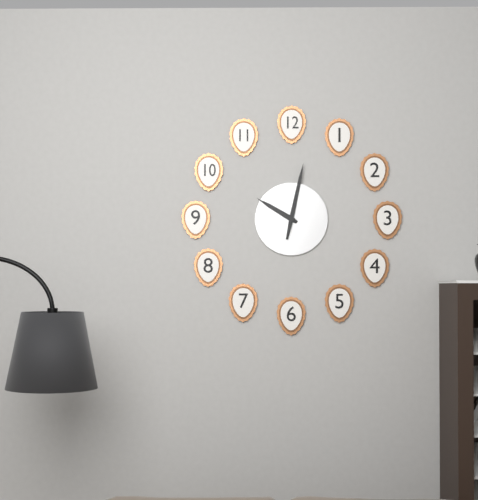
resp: 10h02
